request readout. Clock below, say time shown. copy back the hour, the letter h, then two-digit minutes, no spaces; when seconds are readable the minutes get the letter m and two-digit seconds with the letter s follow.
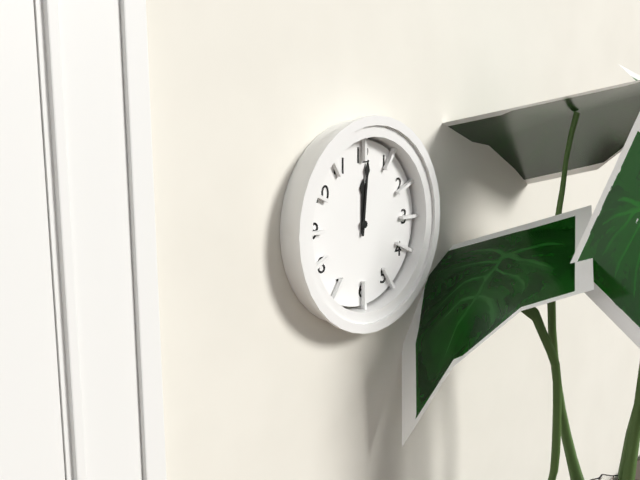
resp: 12h01
